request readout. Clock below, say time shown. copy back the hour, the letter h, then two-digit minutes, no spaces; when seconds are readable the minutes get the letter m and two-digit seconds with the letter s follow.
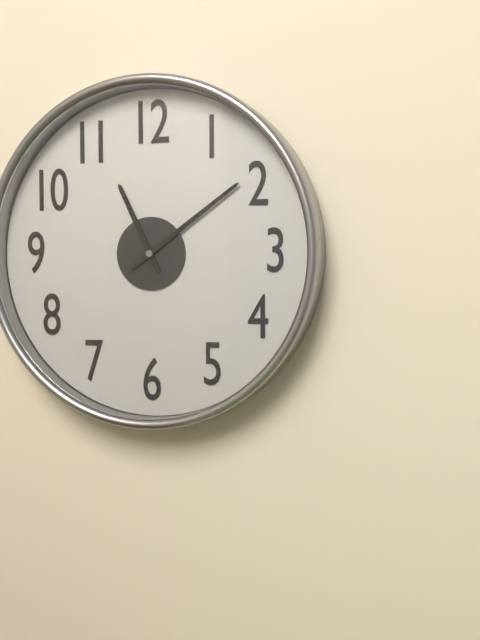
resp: 11h09
